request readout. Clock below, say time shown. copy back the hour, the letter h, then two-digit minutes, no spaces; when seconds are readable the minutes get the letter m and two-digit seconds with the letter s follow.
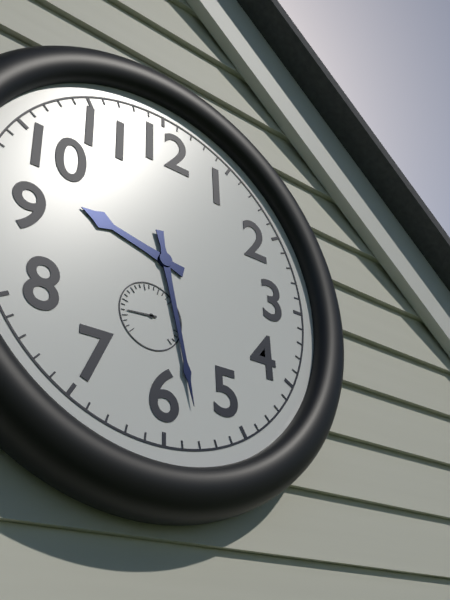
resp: 9h28
